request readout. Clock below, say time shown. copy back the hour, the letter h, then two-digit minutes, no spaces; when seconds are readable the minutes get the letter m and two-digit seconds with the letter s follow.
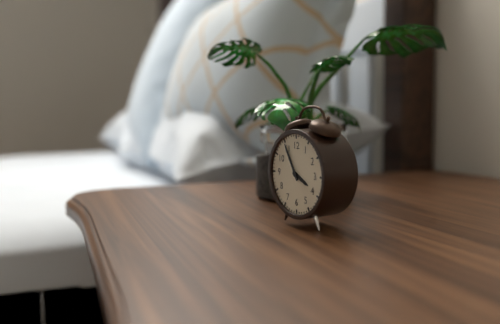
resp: 3h55
